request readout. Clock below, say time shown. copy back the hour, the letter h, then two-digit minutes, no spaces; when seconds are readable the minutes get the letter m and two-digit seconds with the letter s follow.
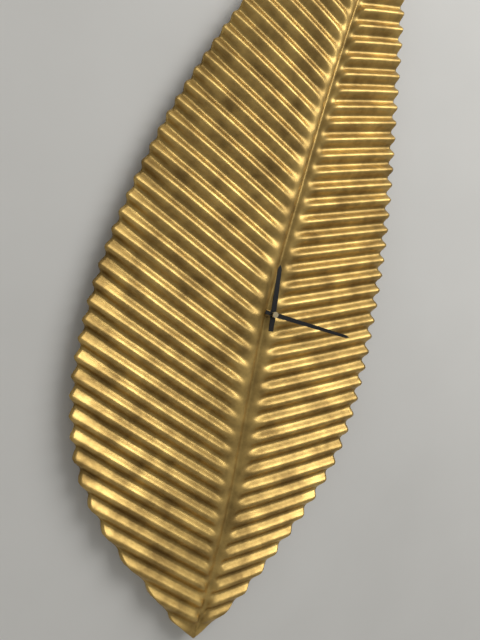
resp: 12h18
